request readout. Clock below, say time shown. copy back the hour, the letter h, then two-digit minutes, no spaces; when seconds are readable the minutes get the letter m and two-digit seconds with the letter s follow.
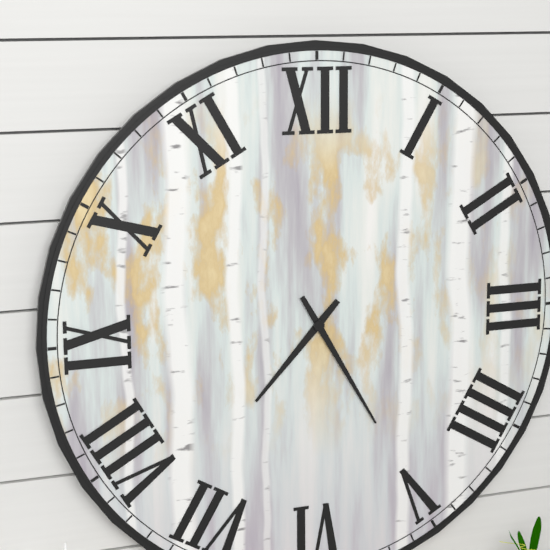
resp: 7h25
